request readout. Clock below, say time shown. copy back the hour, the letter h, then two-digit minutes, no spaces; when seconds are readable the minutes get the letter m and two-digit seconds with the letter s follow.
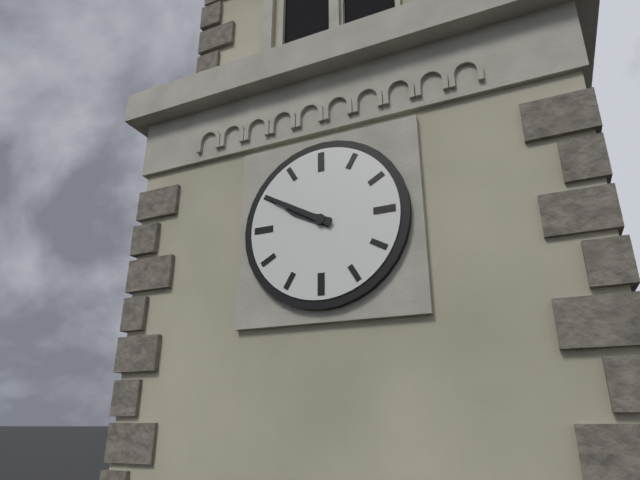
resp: 9h50
